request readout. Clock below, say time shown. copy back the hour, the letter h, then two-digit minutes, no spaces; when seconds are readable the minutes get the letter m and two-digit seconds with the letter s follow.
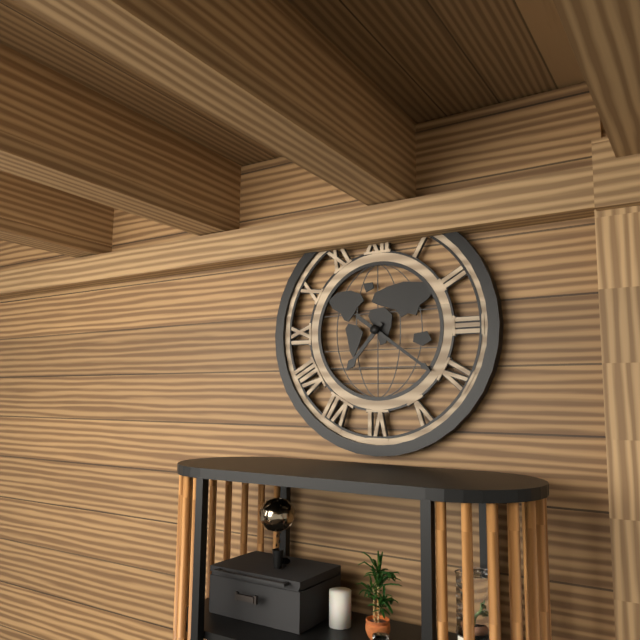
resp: 7h21
